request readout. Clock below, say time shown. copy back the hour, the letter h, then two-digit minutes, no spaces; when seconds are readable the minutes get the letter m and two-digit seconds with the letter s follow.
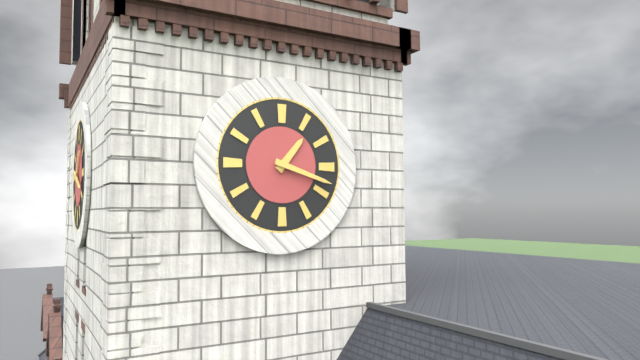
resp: 1h18
